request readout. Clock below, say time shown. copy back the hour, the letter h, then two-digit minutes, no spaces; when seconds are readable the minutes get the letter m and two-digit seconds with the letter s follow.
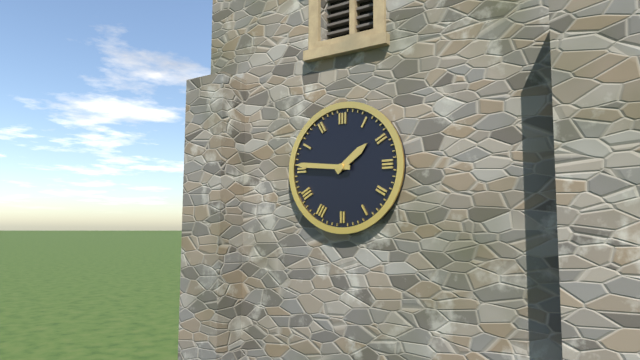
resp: 1h46
